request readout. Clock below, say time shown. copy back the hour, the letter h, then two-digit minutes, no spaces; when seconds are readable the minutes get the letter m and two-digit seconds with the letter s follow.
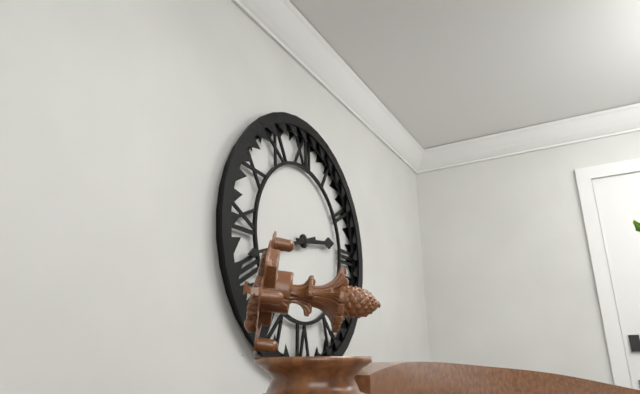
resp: 2h42
